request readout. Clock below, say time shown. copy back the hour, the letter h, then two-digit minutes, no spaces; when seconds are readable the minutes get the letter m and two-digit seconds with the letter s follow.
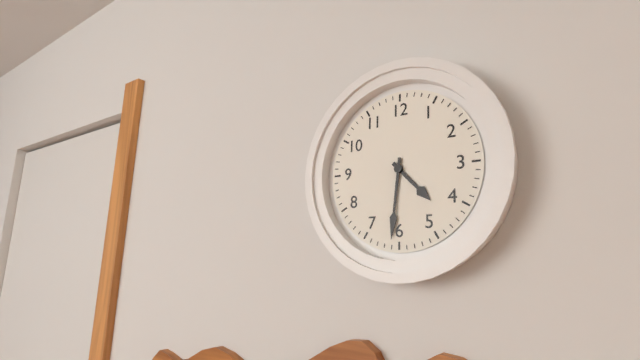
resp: 4h31
